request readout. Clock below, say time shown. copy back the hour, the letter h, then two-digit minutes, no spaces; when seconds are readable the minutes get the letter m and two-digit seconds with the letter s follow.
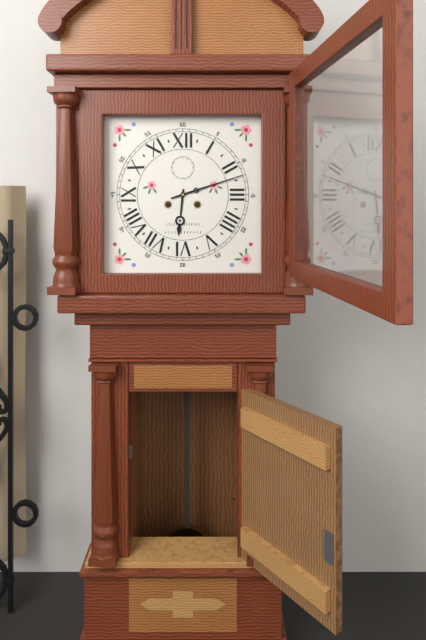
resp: 6h12
